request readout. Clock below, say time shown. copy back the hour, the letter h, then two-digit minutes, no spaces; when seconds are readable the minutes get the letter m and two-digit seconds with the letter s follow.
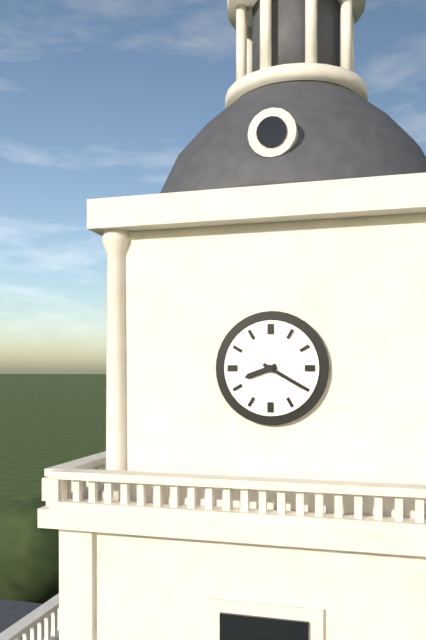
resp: 8h20
